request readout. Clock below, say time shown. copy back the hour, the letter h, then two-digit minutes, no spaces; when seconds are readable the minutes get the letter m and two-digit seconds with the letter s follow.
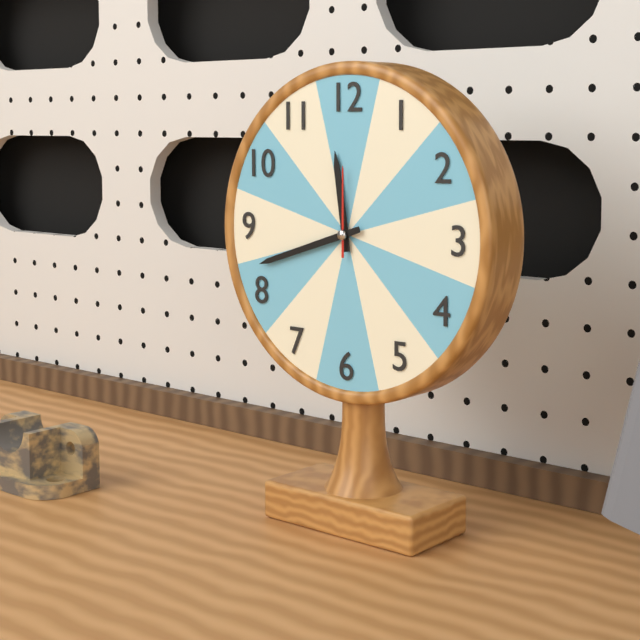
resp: 11h42m00s
